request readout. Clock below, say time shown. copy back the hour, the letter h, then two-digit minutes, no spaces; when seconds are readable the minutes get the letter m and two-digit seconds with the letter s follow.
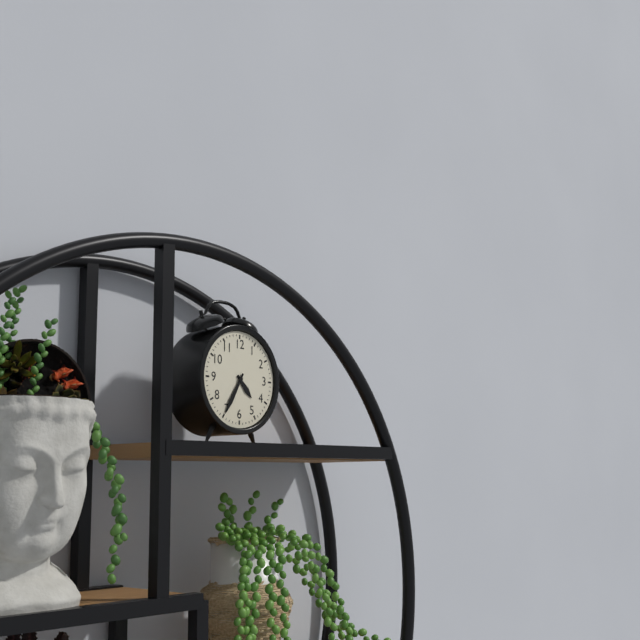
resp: 4h35
